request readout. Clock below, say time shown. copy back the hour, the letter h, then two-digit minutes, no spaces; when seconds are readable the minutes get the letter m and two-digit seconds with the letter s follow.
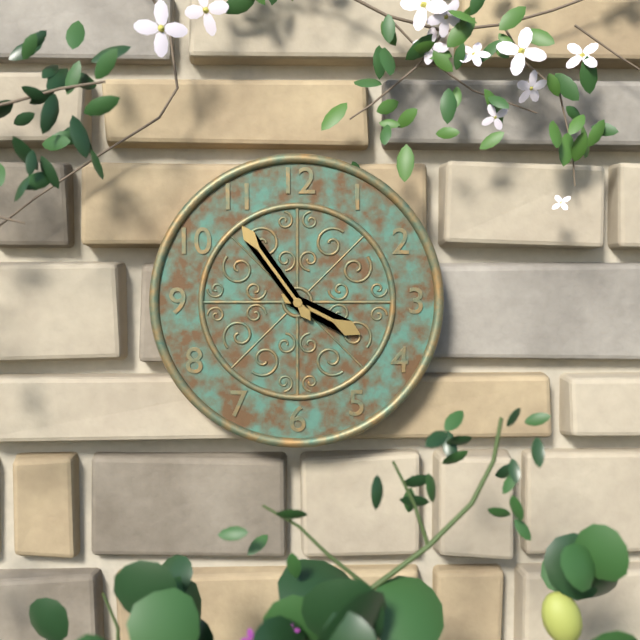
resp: 3h54
